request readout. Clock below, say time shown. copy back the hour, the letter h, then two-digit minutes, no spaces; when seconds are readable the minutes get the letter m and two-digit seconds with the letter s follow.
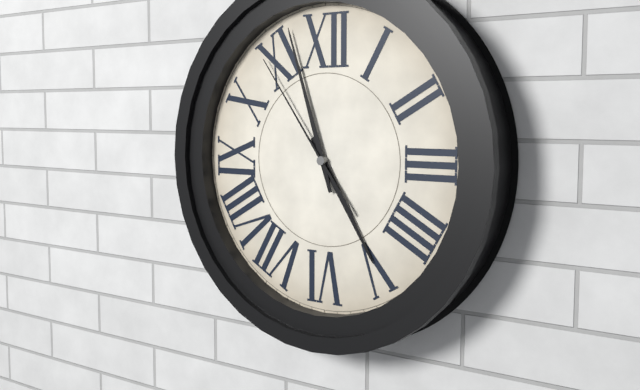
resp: 4h57m54s
